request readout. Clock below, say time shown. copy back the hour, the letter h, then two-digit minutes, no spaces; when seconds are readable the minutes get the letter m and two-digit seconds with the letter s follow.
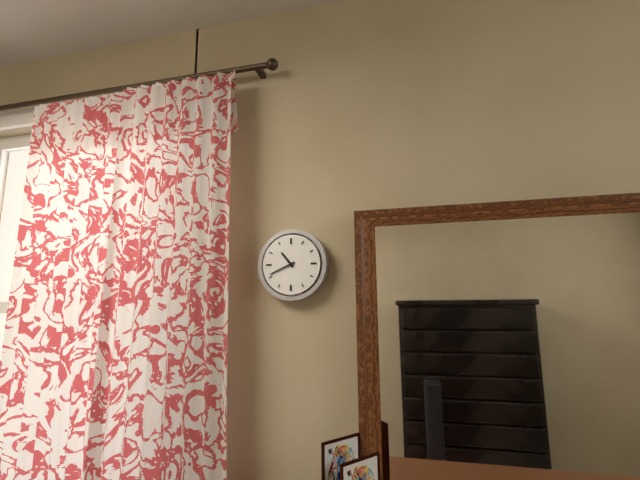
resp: 10h41
